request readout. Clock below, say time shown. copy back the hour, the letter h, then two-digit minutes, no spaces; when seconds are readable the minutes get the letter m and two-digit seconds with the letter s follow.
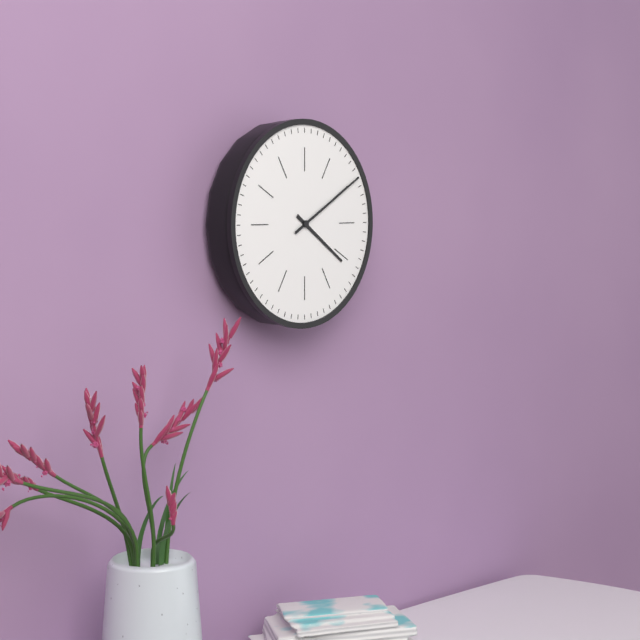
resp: 4h10
